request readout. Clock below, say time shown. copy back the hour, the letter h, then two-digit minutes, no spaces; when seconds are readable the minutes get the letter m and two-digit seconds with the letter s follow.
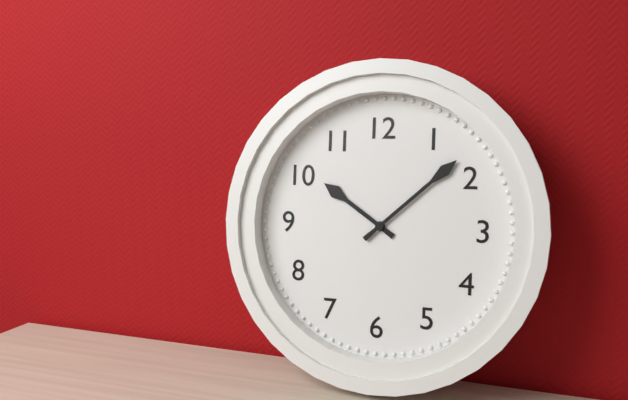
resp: 10h08
